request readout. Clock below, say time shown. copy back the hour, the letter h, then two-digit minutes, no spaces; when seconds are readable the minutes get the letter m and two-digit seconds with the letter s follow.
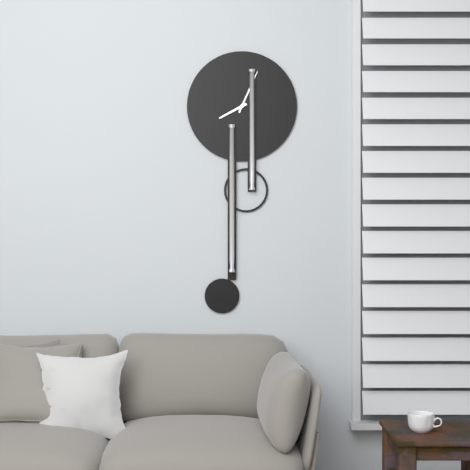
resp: 8h04
